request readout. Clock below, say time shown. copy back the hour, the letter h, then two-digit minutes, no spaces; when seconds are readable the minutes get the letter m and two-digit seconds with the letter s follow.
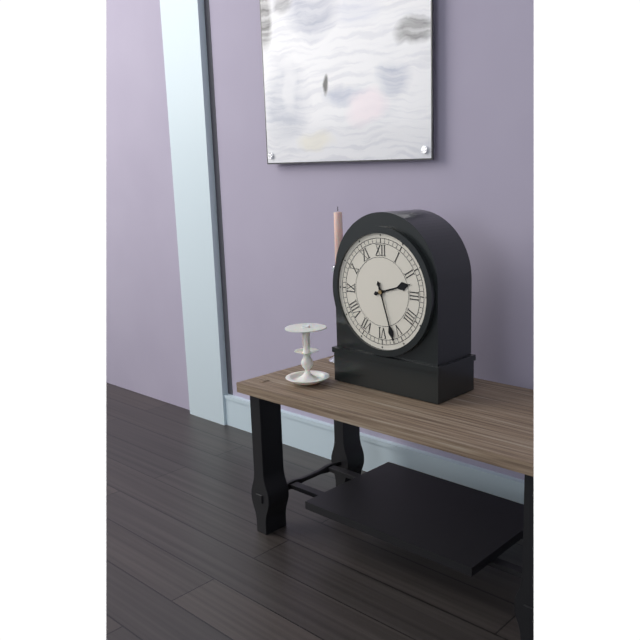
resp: 2h27
